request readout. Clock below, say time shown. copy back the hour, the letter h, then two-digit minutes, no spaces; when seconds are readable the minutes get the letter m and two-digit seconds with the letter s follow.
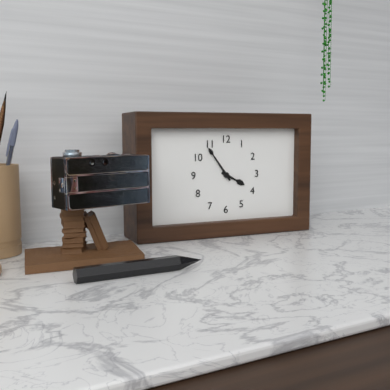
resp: 3h54
